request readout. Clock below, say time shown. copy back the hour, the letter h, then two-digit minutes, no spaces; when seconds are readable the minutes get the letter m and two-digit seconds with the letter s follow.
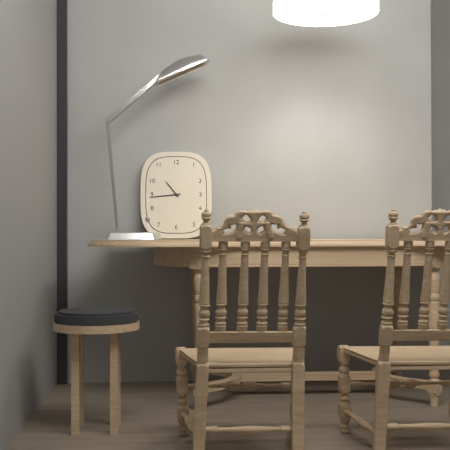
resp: 10h44
